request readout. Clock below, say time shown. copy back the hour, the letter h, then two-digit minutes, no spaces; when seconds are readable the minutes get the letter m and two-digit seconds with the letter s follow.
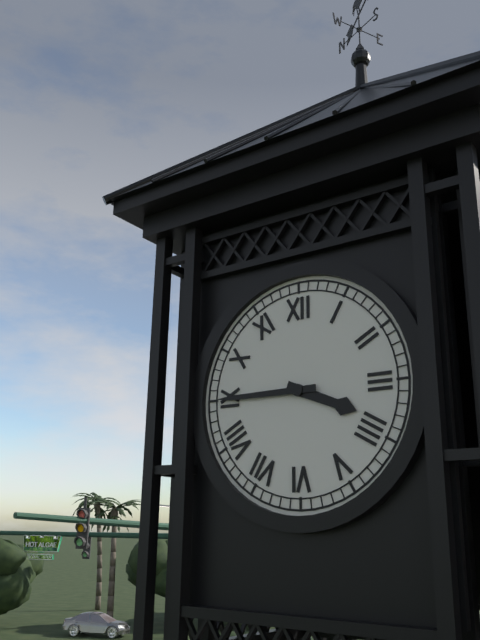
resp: 3h45
